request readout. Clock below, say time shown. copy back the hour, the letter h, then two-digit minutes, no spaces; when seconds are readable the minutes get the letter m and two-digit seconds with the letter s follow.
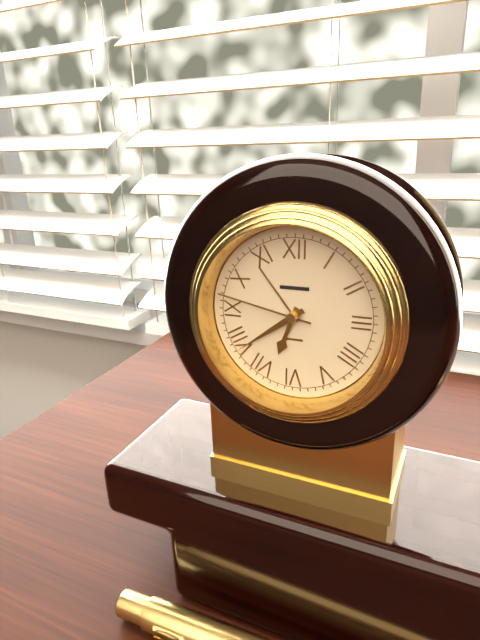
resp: 6h39m47s
